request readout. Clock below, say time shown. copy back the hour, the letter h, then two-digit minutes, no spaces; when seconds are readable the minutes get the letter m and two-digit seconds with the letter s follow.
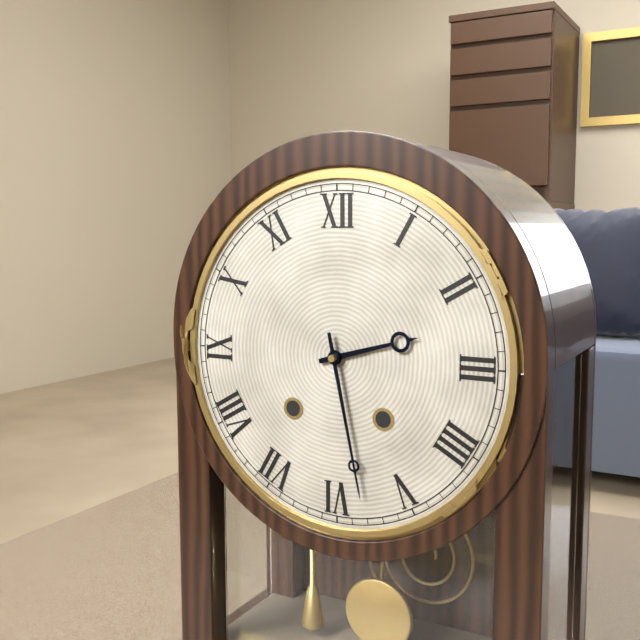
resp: 2h28
